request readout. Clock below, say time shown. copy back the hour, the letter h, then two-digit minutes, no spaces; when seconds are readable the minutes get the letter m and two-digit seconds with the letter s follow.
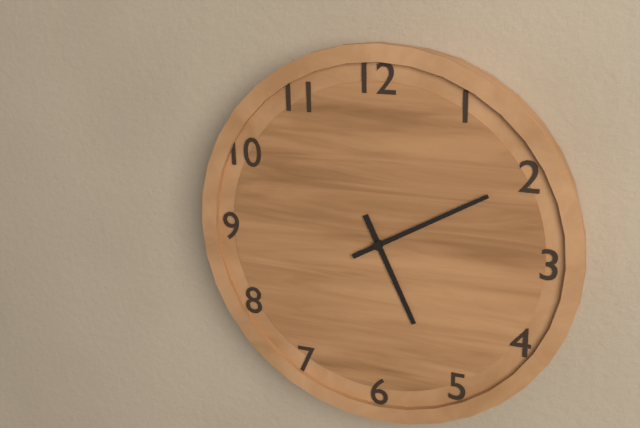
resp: 5h10
